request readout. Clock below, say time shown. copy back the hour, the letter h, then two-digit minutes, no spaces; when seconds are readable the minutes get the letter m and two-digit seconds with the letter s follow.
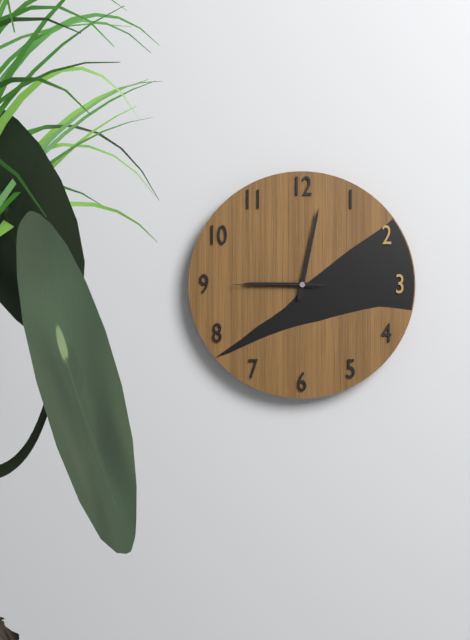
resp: 9h02m45s
